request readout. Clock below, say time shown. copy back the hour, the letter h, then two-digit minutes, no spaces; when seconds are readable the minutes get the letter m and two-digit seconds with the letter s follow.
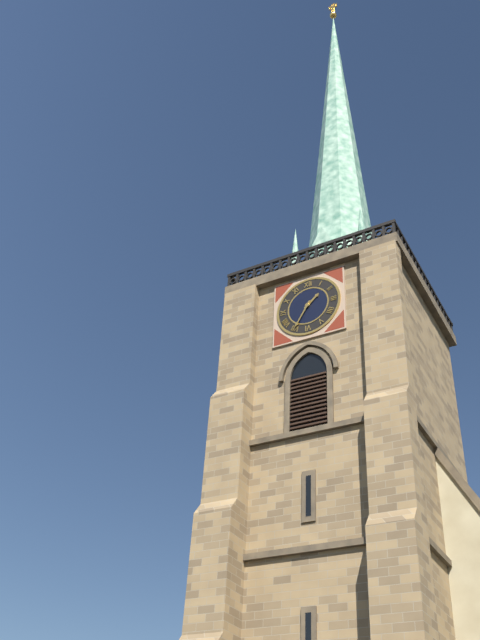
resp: 1h35
